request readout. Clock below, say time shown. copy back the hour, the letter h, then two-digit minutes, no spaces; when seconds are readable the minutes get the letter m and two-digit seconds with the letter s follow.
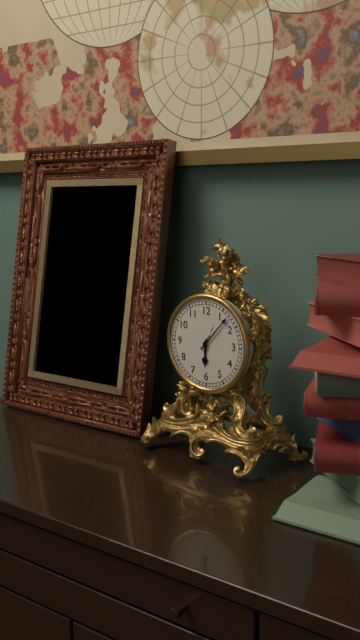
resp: 6h07
